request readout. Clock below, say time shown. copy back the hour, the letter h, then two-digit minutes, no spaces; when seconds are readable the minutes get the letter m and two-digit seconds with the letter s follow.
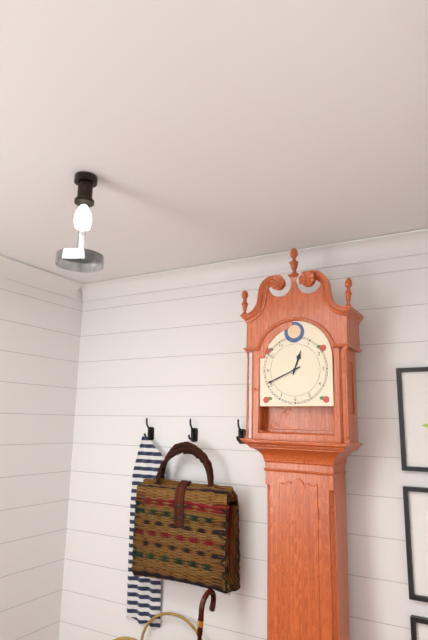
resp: 12h41
